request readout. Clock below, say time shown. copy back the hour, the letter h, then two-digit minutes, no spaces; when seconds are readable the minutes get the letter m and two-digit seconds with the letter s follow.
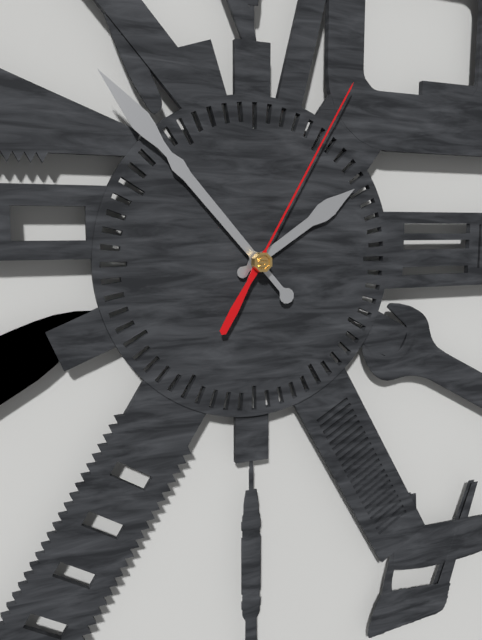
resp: 1h53m05s
